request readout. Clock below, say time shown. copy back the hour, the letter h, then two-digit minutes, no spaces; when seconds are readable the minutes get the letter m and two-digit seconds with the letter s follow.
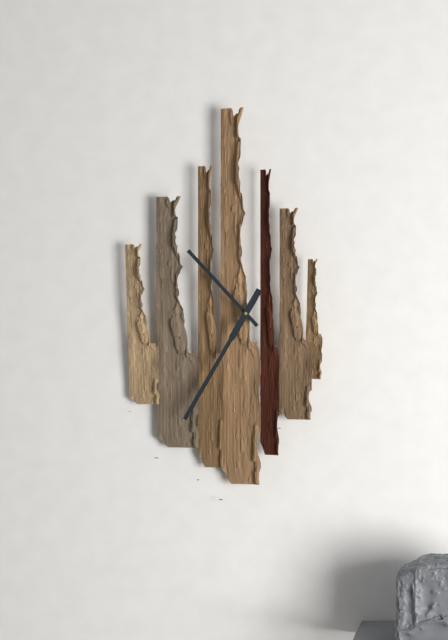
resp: 10h35
